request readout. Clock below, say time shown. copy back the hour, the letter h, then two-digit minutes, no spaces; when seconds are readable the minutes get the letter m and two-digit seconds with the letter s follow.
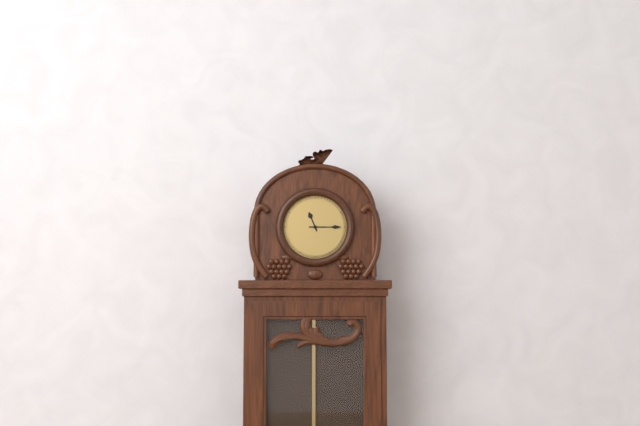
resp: 11h15
